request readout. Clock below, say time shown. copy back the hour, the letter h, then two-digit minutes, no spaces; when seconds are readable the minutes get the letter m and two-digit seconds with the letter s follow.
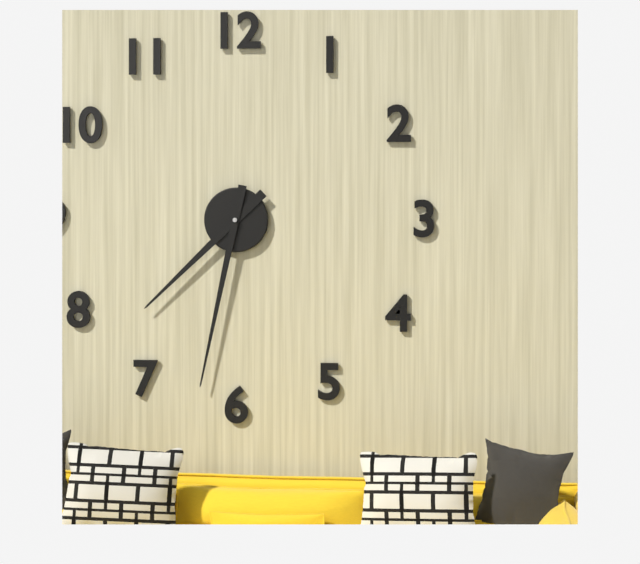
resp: 7h32
